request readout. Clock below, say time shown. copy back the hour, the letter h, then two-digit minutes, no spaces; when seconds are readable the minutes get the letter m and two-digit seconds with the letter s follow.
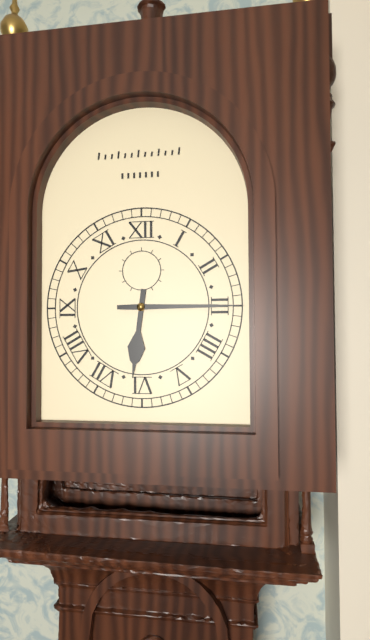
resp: 6h15
